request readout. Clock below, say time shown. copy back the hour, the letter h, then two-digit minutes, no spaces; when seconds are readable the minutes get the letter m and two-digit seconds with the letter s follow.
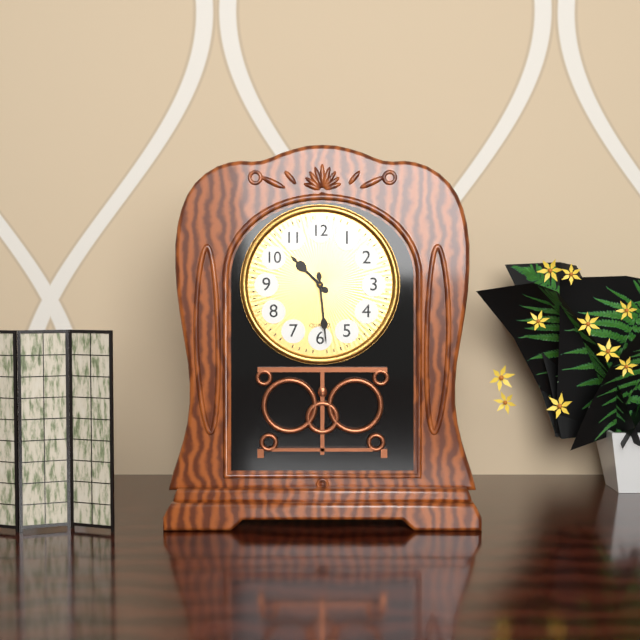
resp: 10h29
